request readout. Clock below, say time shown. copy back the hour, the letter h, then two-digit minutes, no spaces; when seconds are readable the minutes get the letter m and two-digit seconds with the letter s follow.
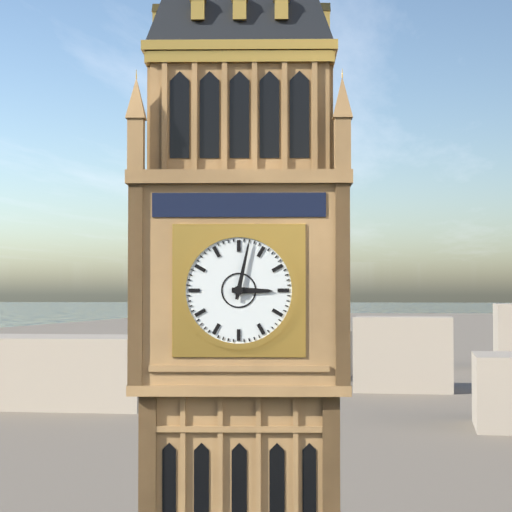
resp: 3h02
